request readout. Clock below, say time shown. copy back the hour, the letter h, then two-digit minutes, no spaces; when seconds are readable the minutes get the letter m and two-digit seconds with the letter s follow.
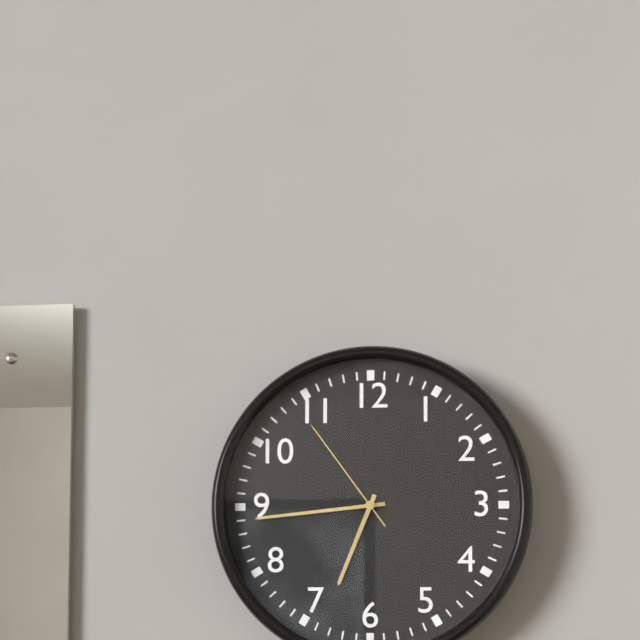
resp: 6h44m54s
